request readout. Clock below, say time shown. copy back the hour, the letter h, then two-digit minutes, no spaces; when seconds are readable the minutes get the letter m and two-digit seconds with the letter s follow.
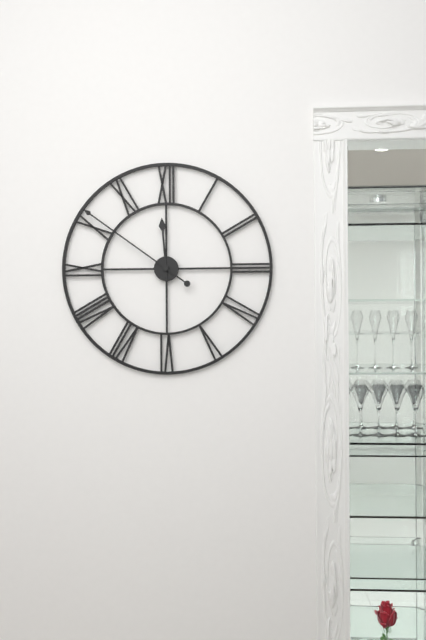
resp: 11h51
